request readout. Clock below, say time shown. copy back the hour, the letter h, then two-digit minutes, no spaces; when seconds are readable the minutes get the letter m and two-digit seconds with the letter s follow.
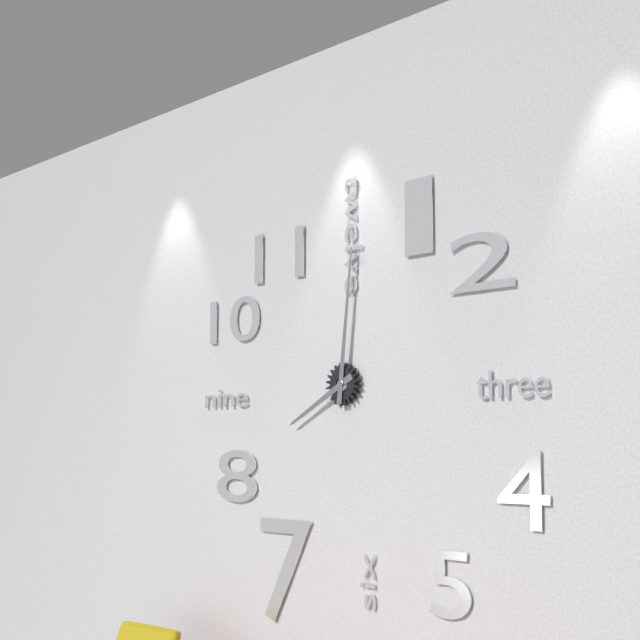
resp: 8h01
